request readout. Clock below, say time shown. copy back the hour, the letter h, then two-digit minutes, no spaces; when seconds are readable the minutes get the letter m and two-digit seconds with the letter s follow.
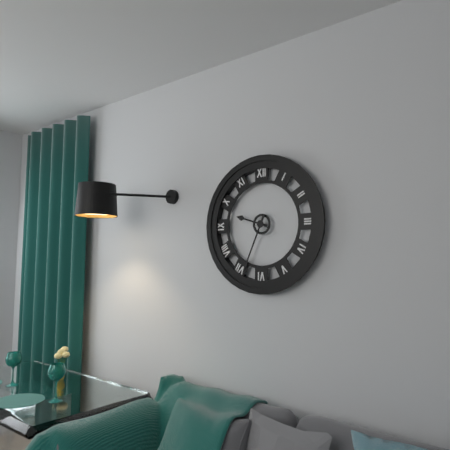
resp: 9h34
